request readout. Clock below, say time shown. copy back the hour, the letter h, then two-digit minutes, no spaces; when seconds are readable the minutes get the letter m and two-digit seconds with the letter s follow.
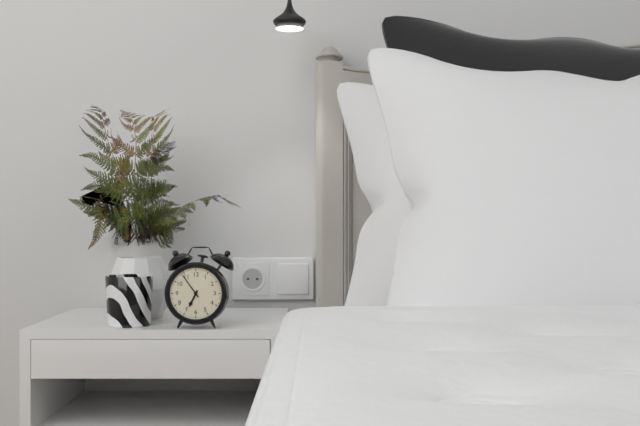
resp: 6h54
